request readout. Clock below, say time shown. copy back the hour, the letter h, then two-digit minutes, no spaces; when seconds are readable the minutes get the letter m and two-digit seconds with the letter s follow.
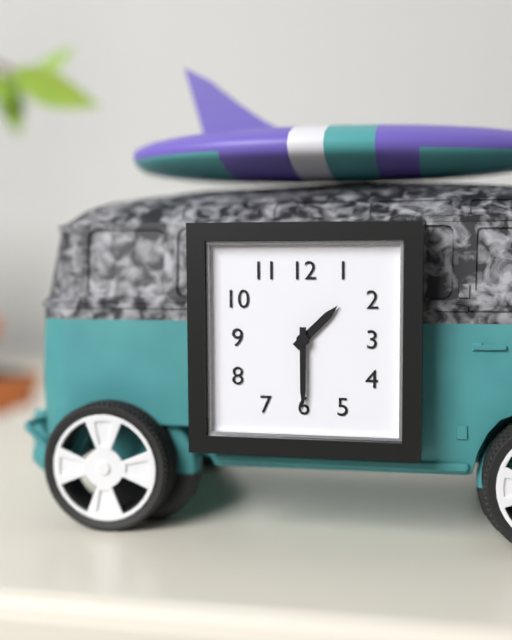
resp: 1h30
